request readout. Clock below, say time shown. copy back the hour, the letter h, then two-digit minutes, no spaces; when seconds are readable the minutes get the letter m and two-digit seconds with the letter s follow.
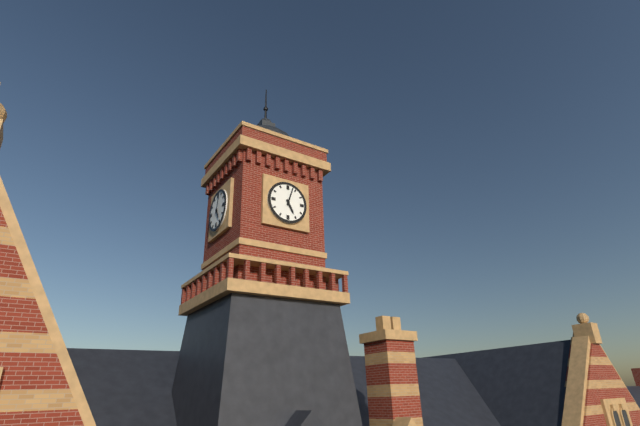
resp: 5h03
